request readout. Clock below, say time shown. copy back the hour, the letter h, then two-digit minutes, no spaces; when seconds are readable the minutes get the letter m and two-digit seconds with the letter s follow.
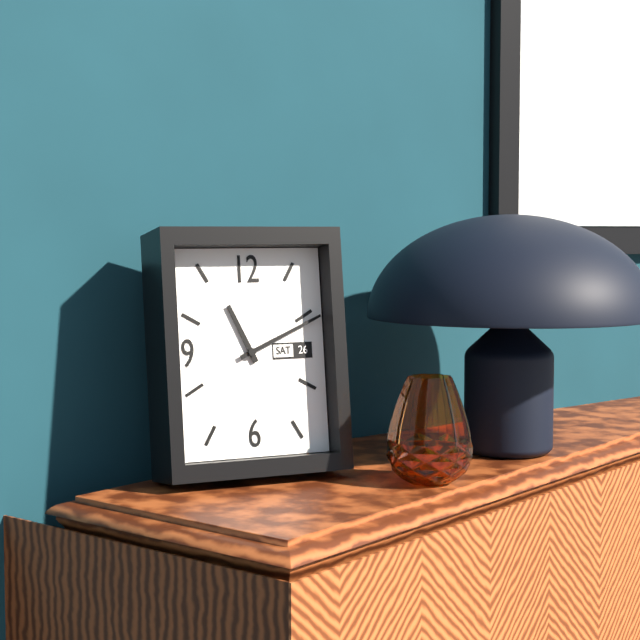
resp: 11h11
